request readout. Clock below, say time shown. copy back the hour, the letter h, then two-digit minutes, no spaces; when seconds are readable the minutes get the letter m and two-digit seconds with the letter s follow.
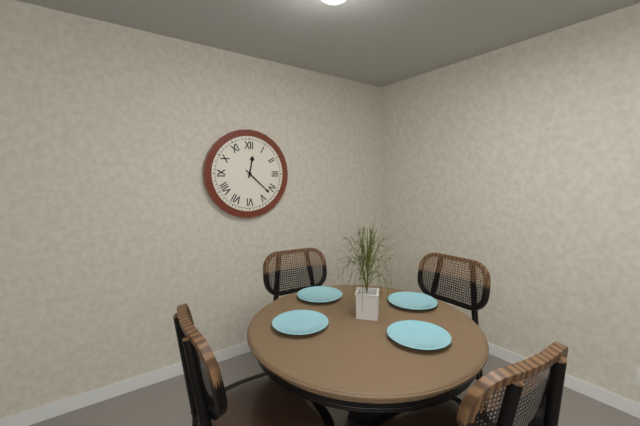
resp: 12h22
